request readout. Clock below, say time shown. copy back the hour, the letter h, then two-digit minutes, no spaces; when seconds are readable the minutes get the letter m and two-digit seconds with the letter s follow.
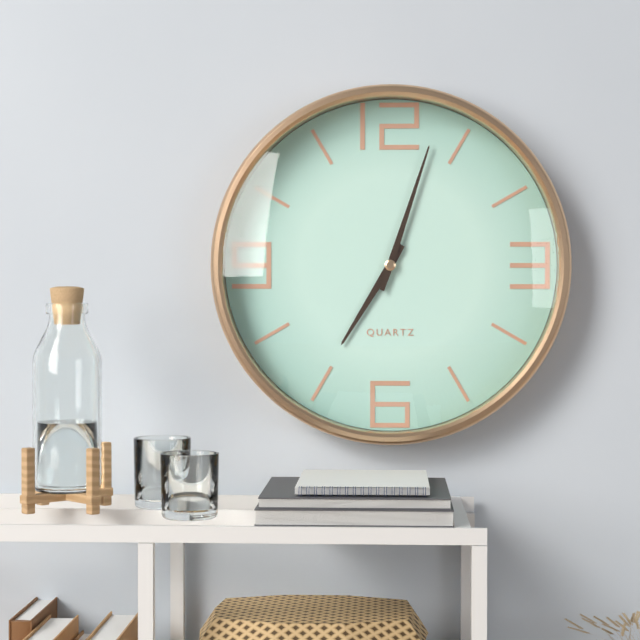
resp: 7h03
